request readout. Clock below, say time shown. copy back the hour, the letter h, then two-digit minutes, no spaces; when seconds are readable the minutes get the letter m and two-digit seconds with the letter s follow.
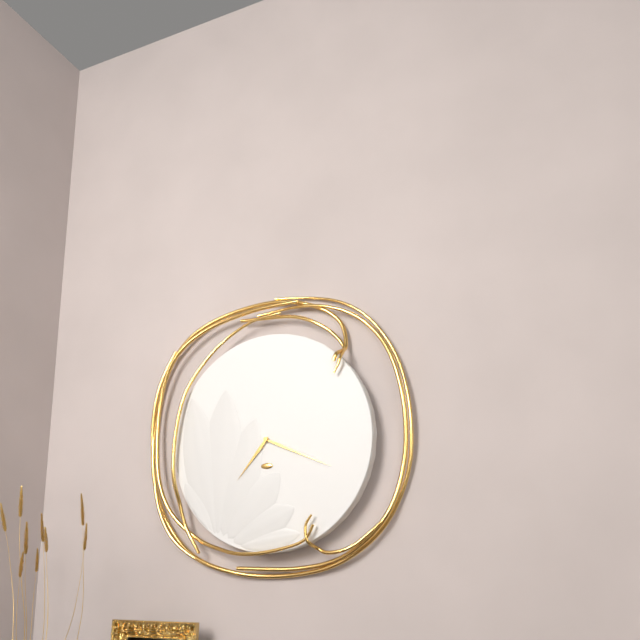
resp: 7h19
